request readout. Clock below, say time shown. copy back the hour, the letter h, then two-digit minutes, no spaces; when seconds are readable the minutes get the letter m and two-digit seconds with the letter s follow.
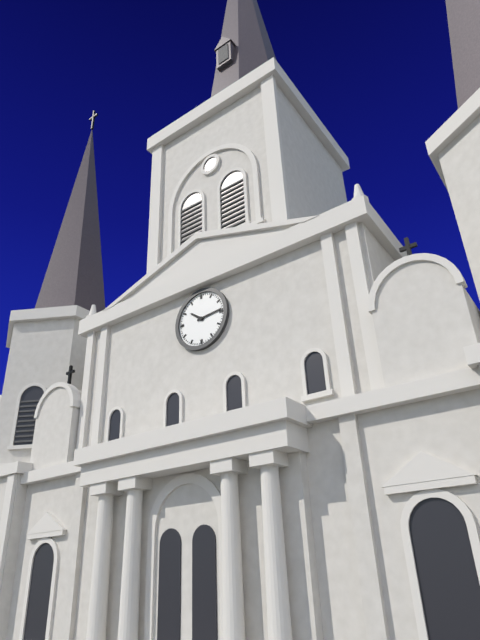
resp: 10h14
